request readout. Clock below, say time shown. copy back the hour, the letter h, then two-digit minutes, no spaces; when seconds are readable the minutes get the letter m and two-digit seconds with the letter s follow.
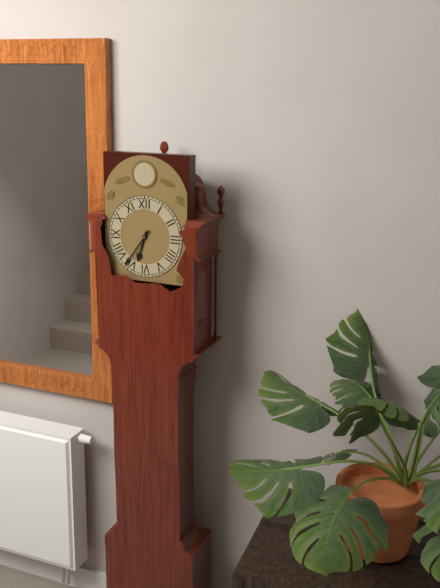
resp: 6h36
